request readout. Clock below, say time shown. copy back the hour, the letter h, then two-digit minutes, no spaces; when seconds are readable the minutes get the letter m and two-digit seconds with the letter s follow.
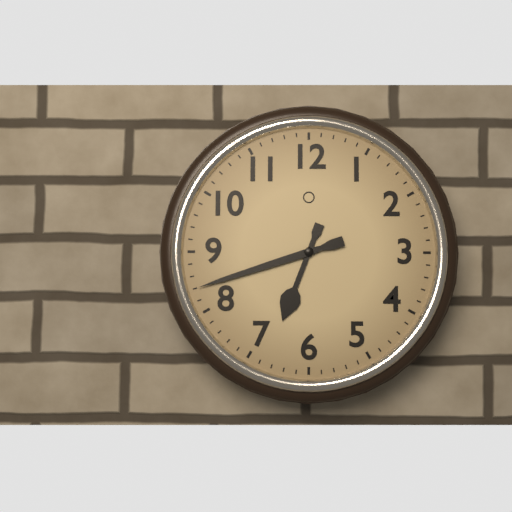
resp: 6h42
